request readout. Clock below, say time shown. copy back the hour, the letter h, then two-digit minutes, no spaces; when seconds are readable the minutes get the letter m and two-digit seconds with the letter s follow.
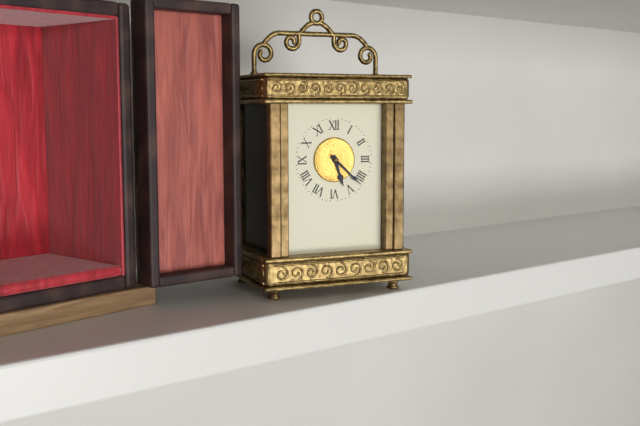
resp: 5h22
